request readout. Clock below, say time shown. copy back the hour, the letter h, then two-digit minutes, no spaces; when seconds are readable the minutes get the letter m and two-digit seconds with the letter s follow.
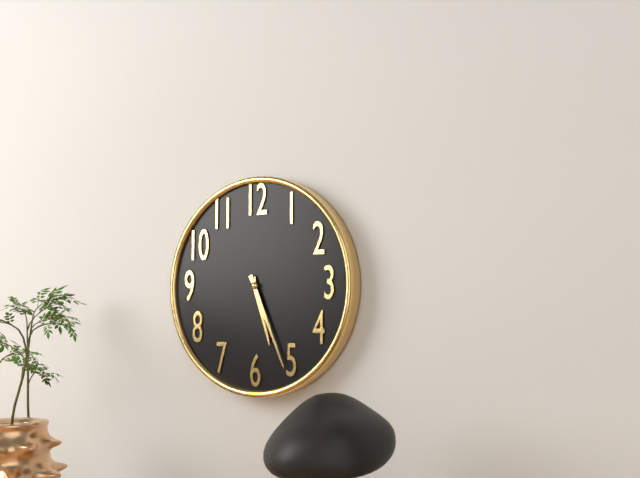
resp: 5h26
